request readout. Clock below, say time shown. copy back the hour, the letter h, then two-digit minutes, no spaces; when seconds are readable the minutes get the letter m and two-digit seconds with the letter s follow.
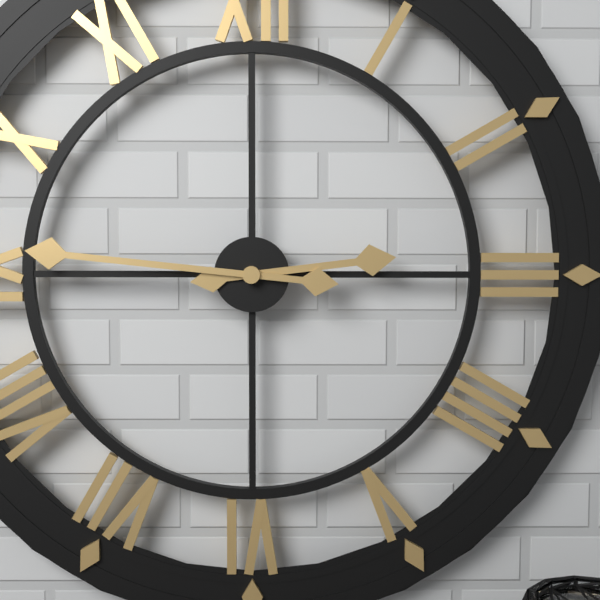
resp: 2h46
